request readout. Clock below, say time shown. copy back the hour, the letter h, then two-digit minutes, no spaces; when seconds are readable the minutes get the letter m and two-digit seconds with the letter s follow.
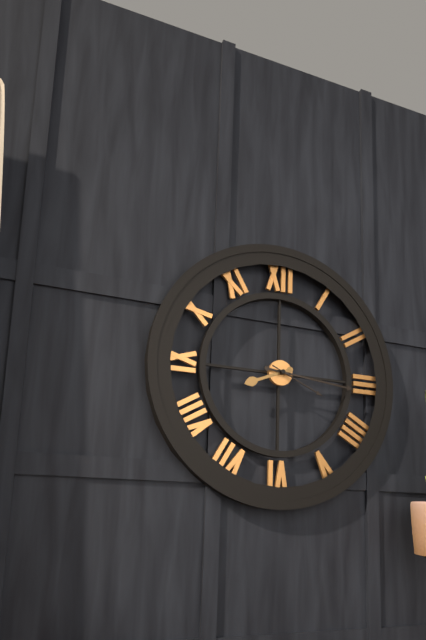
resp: 8h16m19s
